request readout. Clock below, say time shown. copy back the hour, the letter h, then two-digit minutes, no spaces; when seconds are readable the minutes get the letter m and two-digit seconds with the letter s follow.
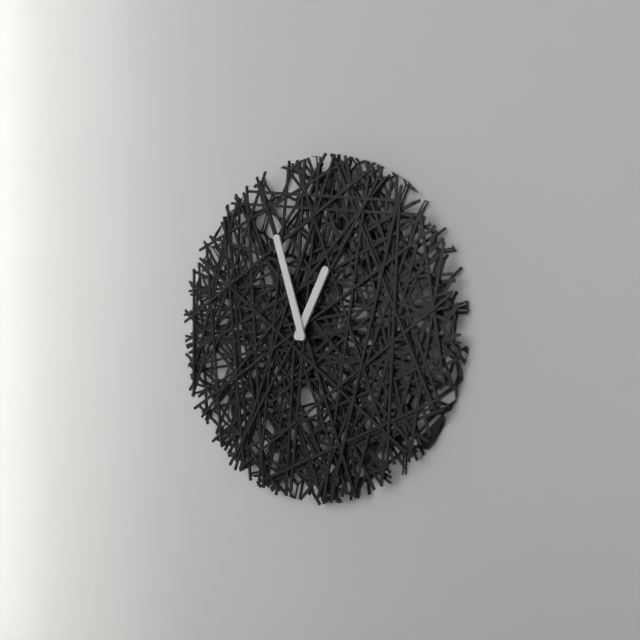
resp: 12h57
